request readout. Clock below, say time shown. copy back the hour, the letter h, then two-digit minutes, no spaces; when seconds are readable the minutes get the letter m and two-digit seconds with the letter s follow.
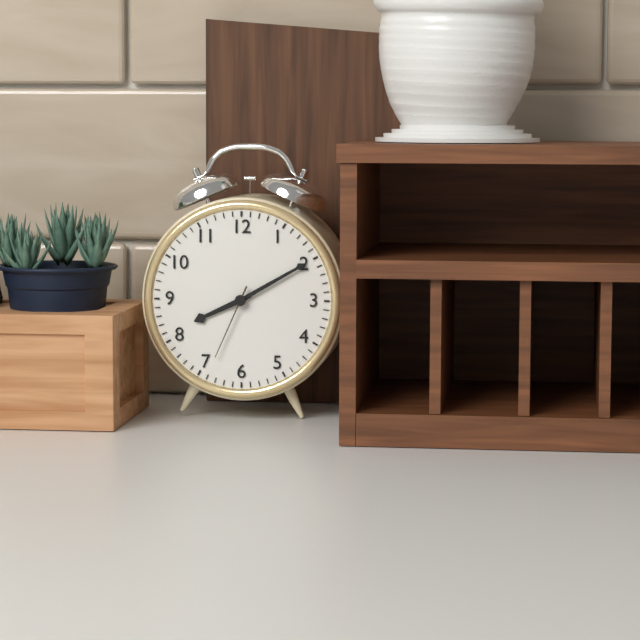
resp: 8h10m34s
